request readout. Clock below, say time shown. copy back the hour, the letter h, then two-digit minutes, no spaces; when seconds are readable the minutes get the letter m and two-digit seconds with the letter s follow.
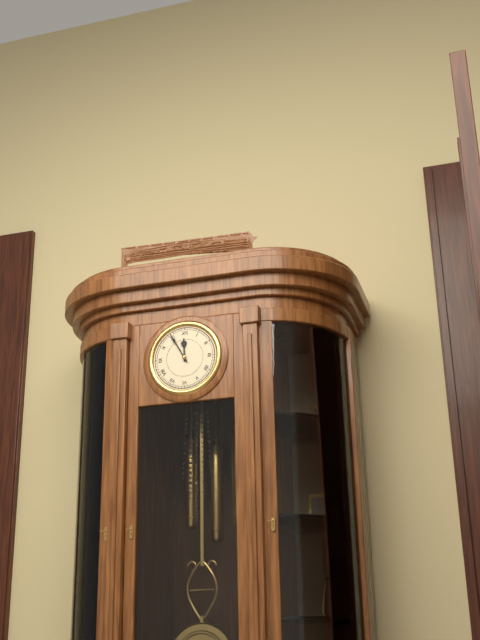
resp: 11h55
